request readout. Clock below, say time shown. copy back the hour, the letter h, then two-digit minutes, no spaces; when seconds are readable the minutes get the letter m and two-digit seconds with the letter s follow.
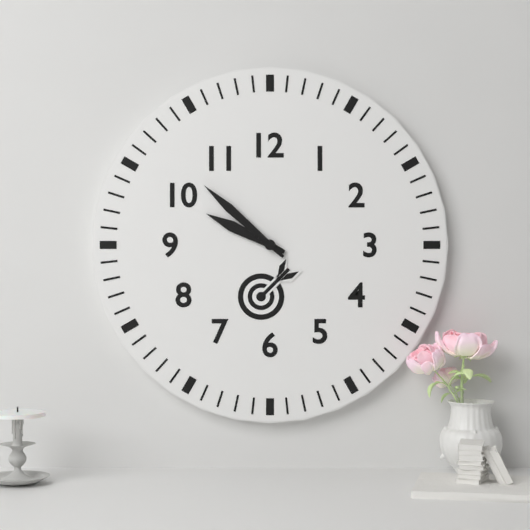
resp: 9h52
